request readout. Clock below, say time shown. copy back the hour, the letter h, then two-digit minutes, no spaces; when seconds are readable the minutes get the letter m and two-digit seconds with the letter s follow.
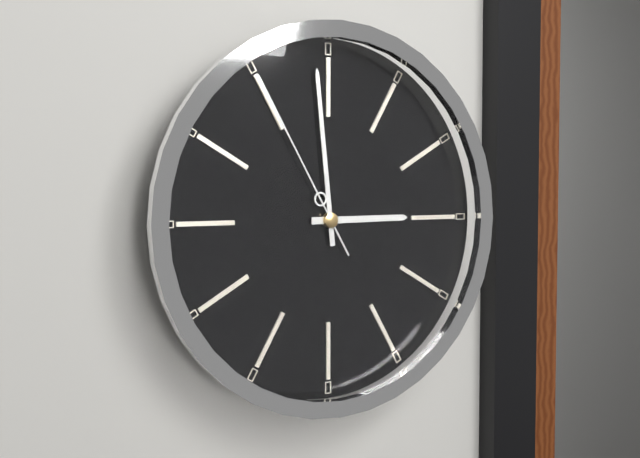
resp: 2h59m55s
